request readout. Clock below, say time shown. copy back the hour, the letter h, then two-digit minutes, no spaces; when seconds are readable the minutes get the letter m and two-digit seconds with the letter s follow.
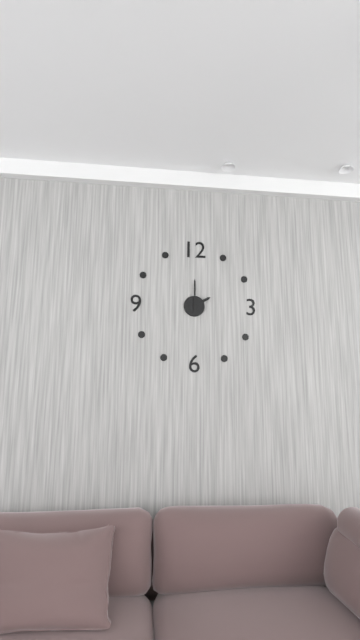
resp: 2h00
